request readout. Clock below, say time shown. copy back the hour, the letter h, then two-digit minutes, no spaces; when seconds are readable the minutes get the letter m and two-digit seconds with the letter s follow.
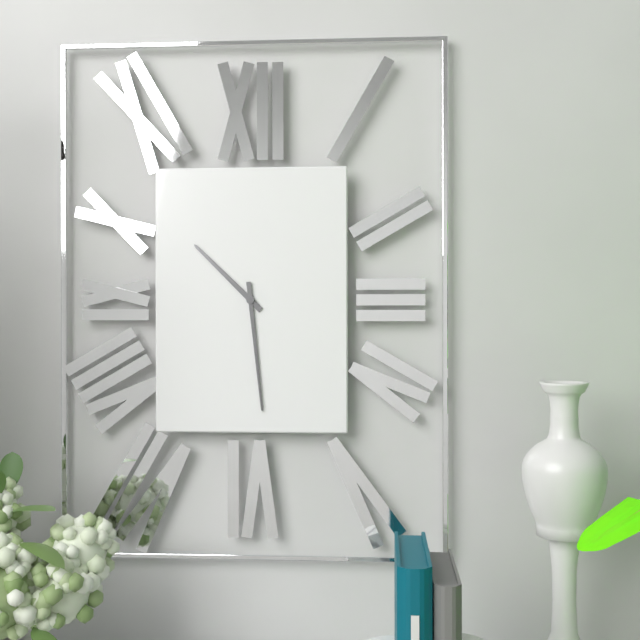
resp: 10h29
